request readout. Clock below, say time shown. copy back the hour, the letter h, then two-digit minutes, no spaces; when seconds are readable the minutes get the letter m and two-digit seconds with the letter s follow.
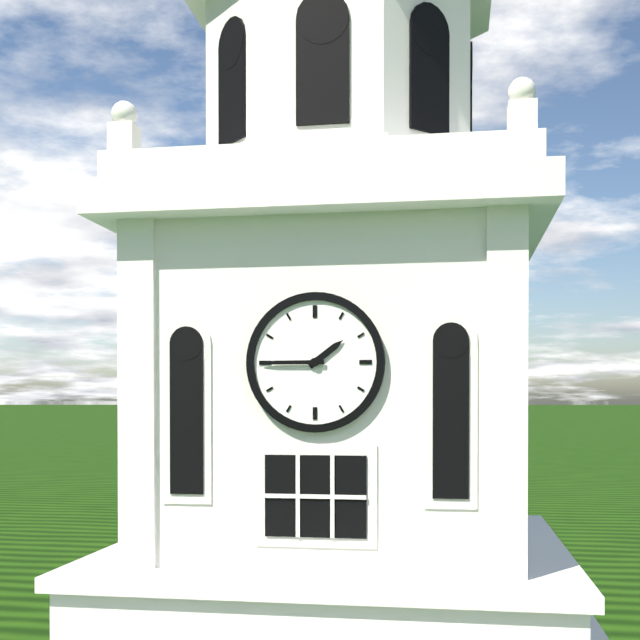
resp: 1h45
